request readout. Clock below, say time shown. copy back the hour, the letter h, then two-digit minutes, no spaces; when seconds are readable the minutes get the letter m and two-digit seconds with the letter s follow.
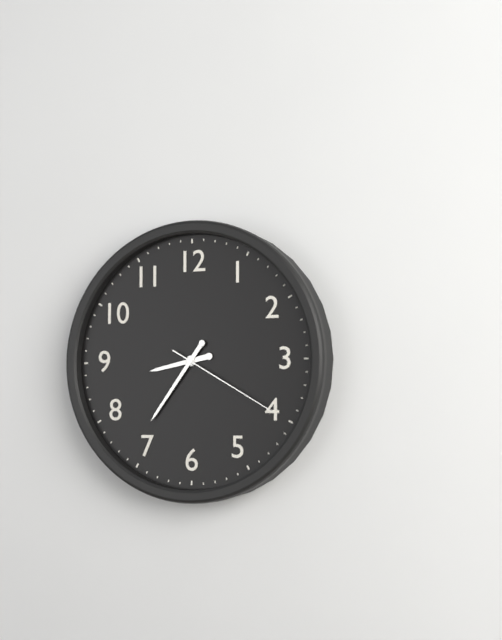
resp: 8h36m20s
